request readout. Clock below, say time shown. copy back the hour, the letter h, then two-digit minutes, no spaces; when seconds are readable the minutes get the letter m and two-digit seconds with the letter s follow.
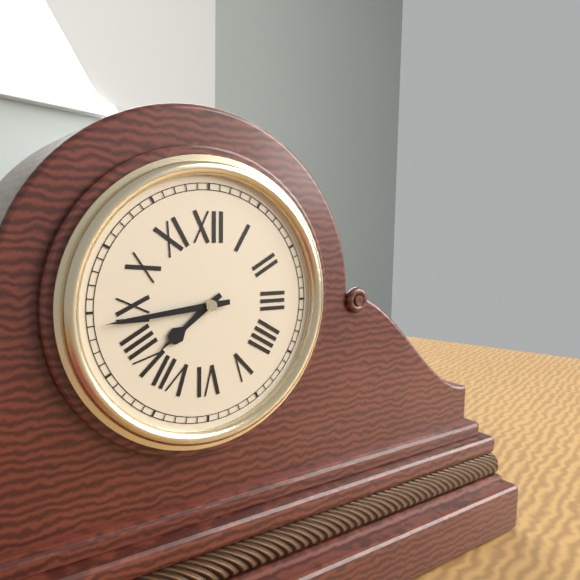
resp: 7h44
